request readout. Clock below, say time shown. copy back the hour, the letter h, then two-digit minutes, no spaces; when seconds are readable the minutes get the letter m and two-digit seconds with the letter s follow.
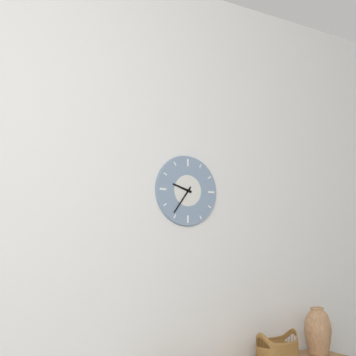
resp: 9h36
